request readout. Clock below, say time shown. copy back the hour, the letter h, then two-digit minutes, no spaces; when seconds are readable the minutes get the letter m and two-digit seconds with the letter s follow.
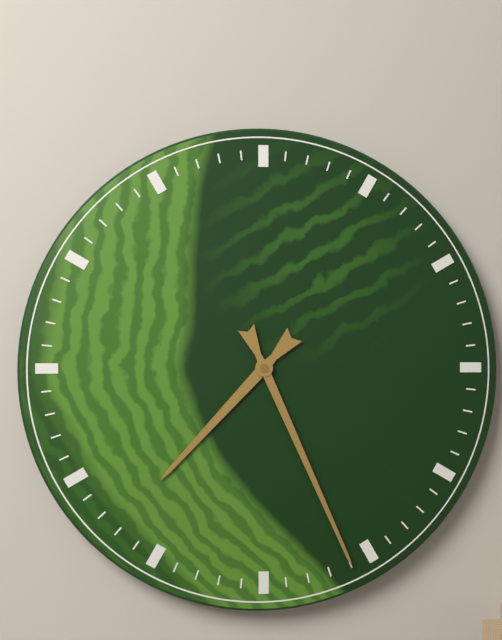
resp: 7h26
